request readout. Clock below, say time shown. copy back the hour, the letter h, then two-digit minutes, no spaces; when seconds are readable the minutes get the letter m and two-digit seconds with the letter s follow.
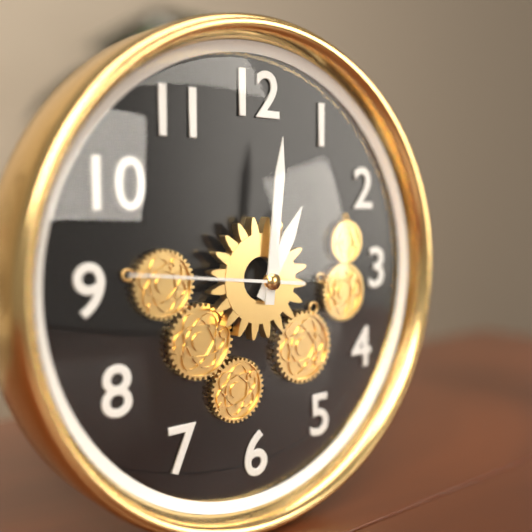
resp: 1h01m46s
